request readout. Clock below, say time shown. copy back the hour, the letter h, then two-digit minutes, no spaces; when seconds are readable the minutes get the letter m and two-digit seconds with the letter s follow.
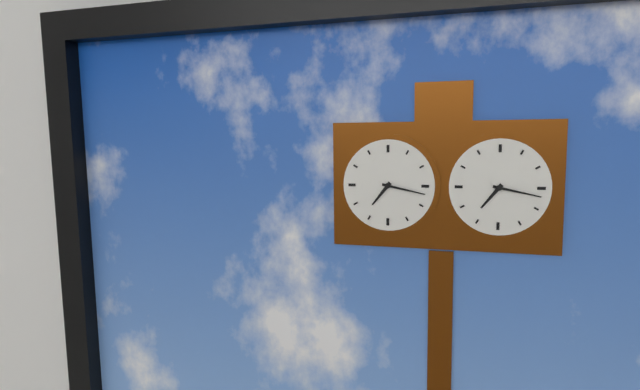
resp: 7h17
